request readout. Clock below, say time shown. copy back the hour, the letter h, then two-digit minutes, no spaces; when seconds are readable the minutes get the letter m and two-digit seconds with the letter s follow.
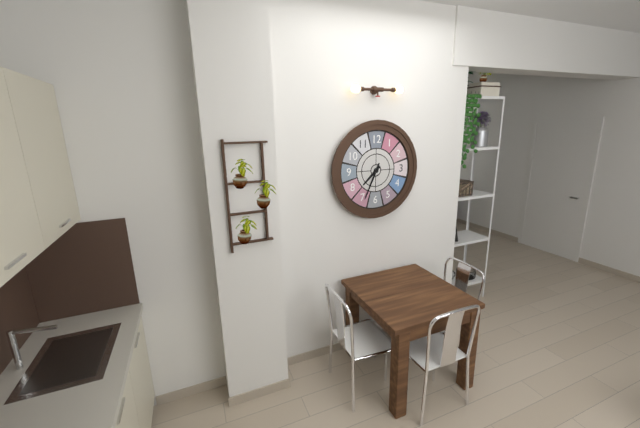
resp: 7h34
